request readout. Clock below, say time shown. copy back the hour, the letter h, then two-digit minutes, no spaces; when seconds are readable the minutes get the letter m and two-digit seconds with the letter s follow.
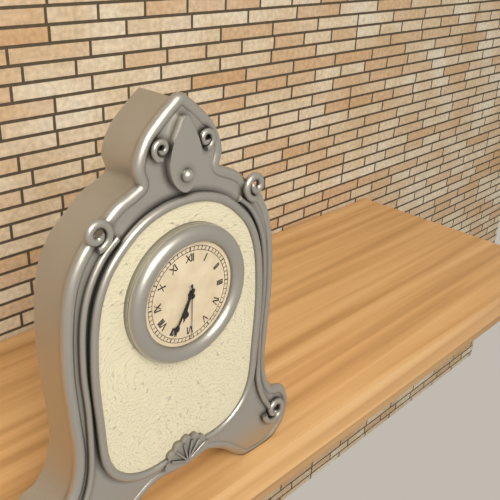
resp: 6h35m30s
